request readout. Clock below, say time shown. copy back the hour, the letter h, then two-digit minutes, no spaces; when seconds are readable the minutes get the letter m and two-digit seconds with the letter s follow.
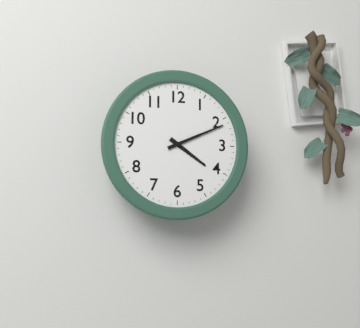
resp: 4h11
